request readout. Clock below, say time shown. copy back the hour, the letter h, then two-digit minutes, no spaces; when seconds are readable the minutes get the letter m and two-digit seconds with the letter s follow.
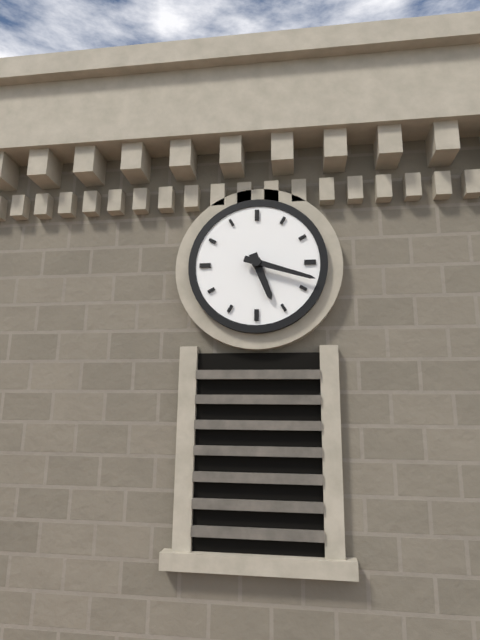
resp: 5h18
